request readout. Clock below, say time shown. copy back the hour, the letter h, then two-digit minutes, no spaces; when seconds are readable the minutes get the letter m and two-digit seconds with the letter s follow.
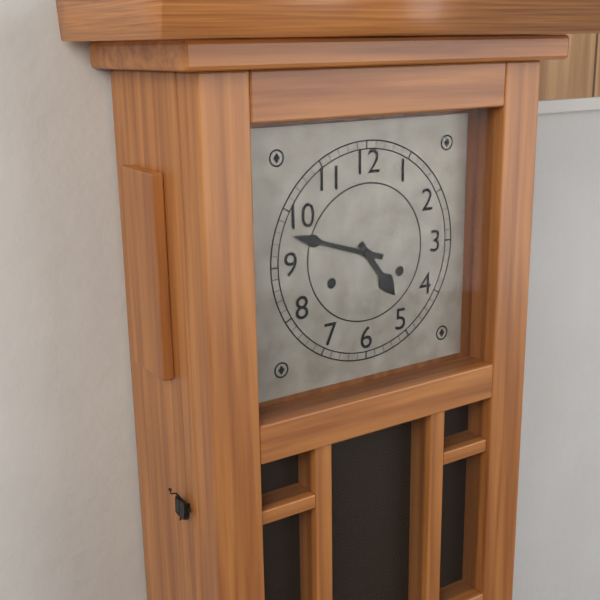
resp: 4h48
